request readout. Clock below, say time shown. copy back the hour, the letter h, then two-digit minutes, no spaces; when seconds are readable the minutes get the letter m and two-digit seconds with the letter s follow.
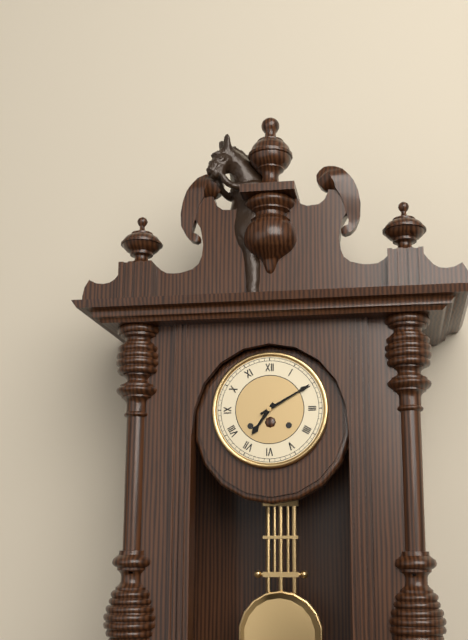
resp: 7h10
